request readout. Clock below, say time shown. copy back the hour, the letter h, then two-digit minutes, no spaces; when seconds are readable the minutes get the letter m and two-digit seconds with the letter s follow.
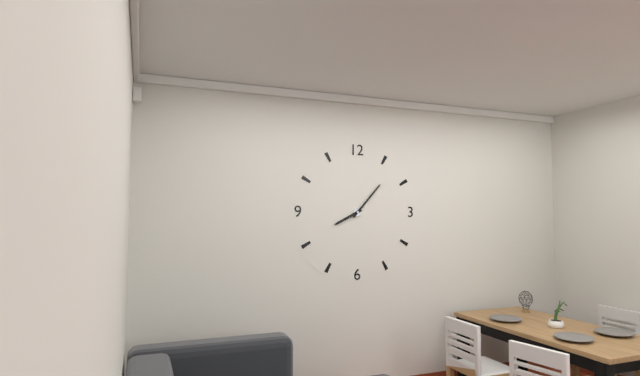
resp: 8h07
